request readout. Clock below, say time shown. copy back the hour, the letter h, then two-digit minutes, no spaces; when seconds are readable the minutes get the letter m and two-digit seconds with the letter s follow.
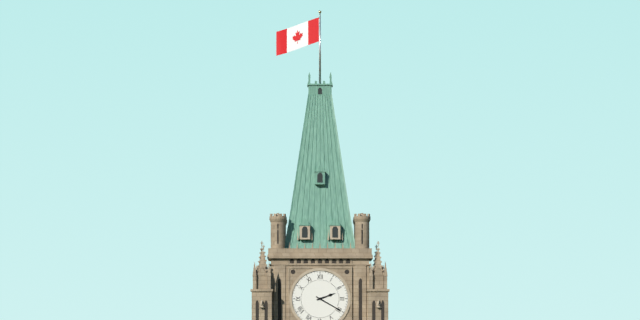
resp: 2h20
